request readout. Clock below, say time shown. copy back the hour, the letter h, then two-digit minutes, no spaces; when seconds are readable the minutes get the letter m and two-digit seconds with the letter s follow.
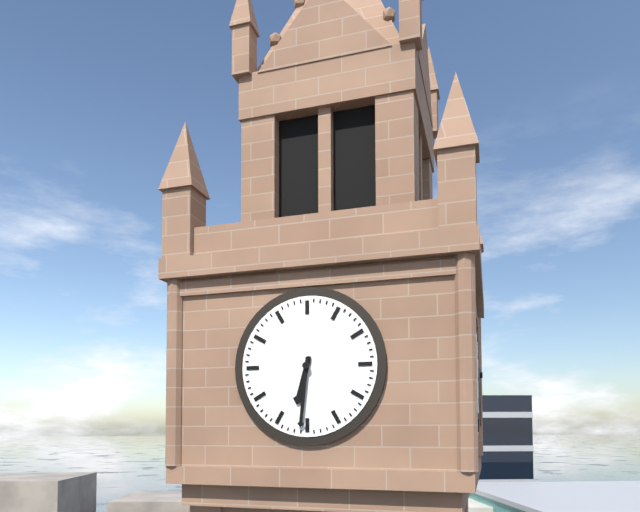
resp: 6h31
